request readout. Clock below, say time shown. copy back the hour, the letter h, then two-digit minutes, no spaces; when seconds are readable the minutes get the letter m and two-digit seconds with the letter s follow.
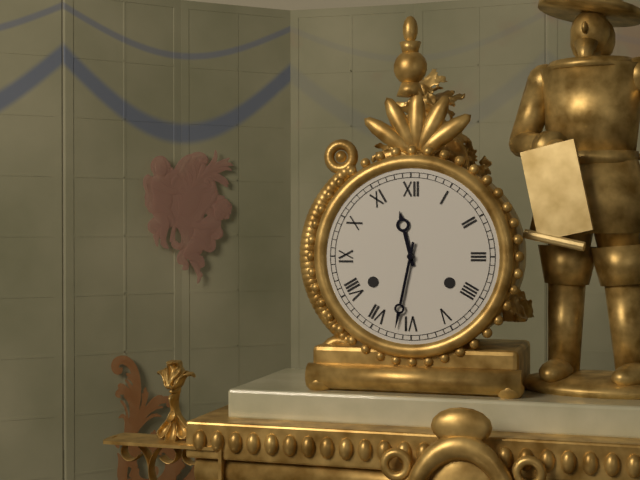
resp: 11h32
